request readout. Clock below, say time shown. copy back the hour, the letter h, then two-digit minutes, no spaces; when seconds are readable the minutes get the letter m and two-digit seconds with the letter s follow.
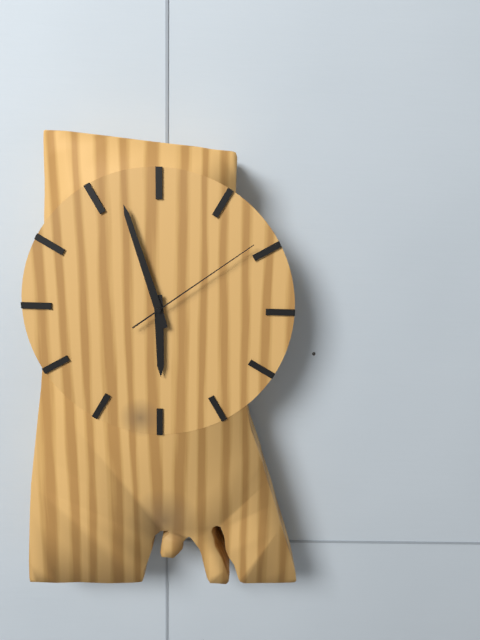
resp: 5h57m09s
